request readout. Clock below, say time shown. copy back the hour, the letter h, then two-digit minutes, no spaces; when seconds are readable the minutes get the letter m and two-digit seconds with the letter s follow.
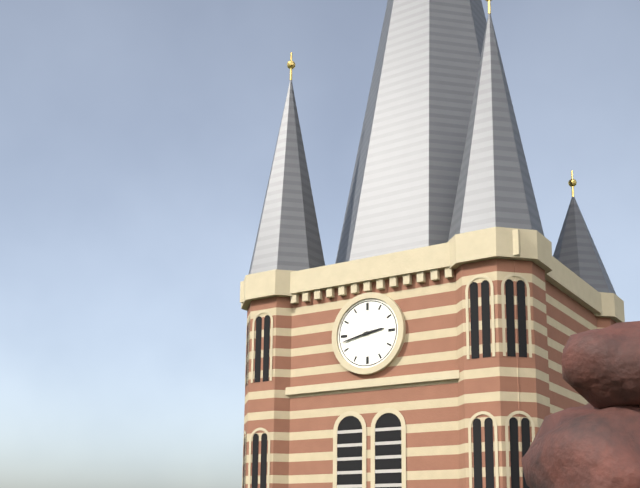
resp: 2h43
